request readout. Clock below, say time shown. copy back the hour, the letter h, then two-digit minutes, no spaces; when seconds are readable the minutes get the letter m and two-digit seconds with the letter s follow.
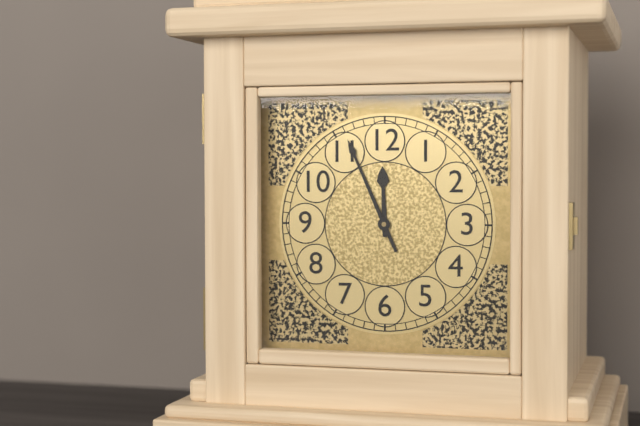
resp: 11h56
